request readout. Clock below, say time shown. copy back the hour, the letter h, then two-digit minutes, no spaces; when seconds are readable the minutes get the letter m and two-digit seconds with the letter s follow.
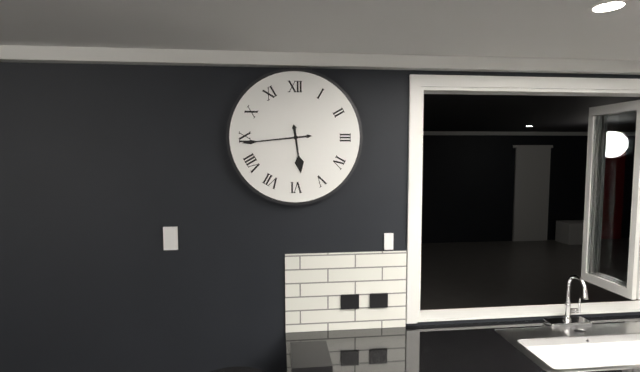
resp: 5h44
